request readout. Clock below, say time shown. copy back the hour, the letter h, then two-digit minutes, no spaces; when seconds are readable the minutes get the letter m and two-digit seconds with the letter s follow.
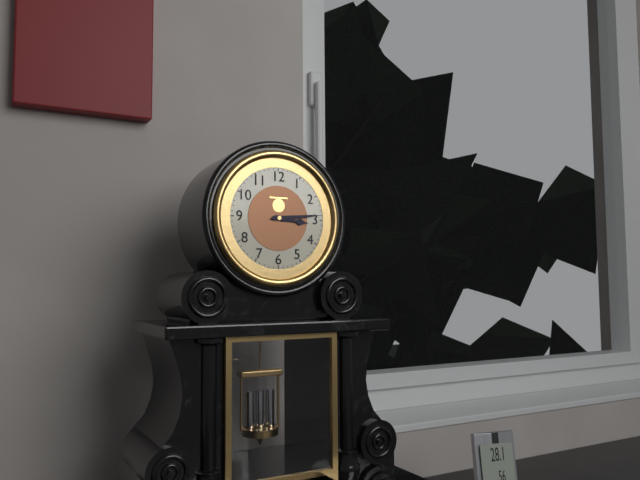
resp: 3h14
